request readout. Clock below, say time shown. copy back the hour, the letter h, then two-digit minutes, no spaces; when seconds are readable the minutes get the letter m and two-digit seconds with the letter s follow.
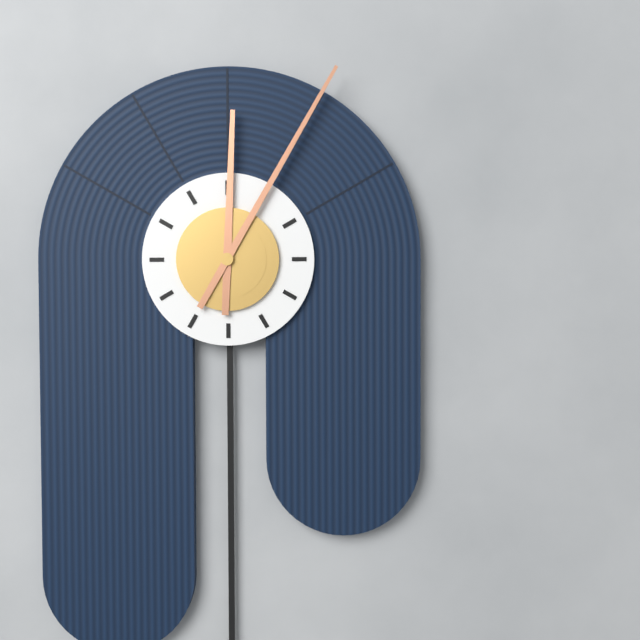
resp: 12h05
